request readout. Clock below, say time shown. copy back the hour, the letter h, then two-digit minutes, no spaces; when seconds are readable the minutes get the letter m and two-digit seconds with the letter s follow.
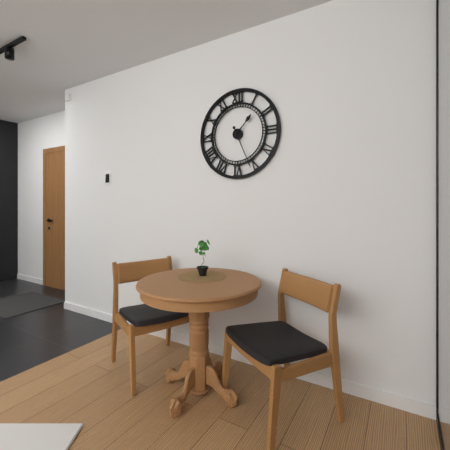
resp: 1h26
